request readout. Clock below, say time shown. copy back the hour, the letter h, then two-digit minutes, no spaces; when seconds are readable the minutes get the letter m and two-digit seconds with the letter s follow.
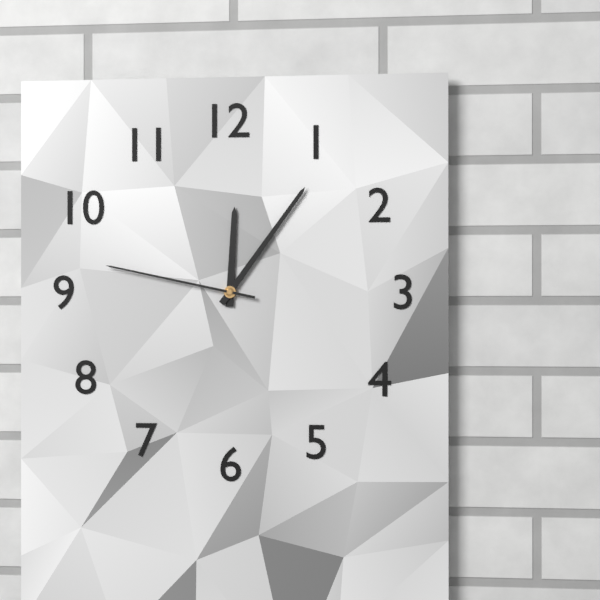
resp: 12h06m47s
